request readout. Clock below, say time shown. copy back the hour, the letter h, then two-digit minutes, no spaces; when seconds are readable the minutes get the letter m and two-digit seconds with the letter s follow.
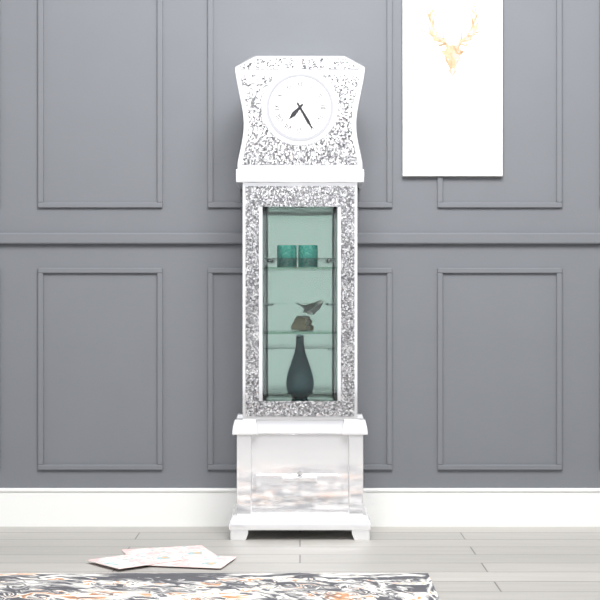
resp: 7h25
